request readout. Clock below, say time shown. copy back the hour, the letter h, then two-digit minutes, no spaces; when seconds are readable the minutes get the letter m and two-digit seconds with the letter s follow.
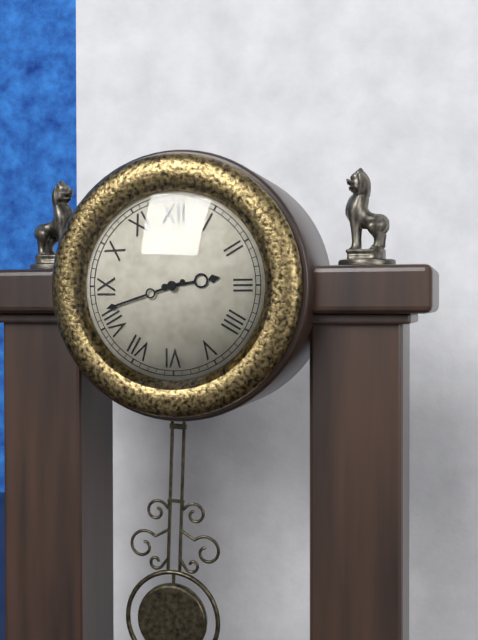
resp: 2h42
